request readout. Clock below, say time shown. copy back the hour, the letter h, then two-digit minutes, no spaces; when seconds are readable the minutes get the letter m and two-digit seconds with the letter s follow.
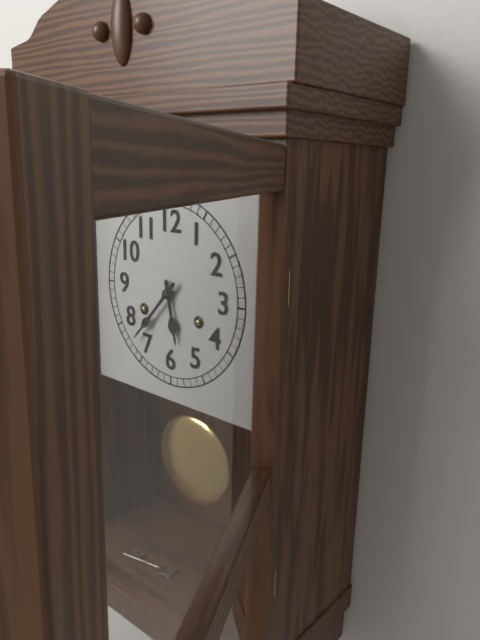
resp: 5h37
